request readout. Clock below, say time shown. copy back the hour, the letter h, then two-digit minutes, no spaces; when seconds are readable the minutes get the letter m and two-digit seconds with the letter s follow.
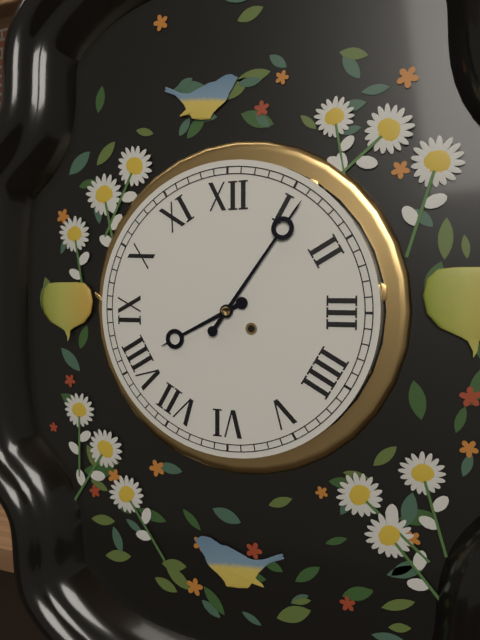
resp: 8h06
